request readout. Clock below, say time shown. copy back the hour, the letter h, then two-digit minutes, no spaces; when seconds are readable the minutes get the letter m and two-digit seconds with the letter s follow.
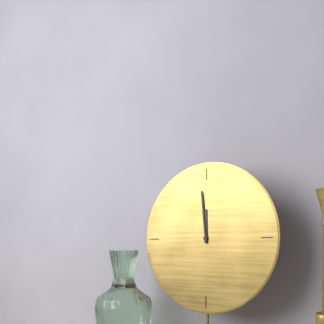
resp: 11h59
